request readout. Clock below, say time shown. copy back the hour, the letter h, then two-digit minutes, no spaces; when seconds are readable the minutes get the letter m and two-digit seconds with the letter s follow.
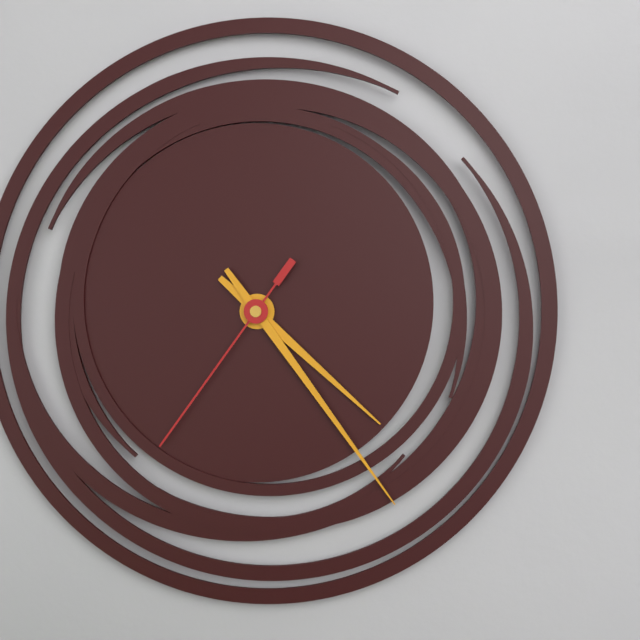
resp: 4h24m36s
